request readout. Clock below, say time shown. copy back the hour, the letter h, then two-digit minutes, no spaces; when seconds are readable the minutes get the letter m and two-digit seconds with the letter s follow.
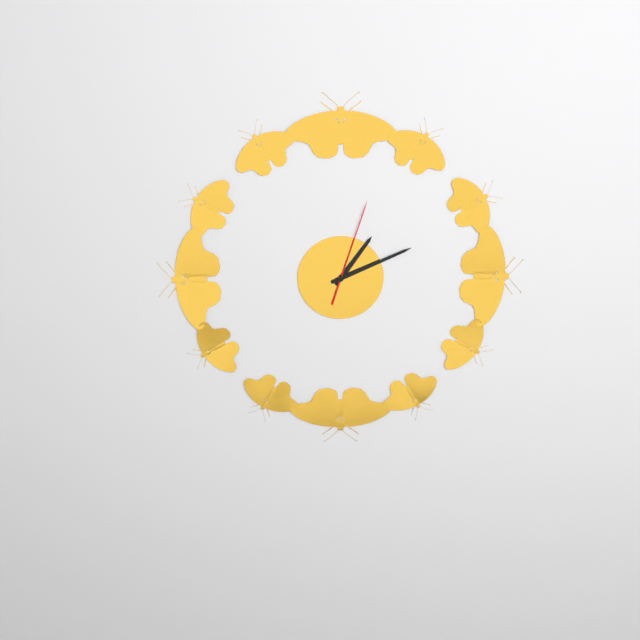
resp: 1h11m03s
